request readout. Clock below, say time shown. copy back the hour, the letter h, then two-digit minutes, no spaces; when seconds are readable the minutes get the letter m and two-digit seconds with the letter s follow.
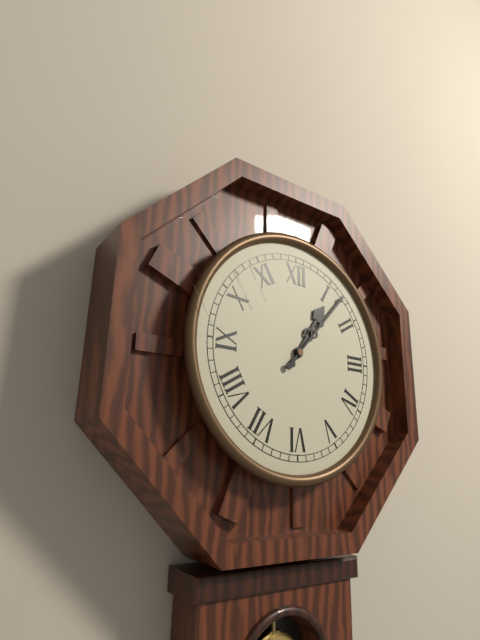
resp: 1h07
